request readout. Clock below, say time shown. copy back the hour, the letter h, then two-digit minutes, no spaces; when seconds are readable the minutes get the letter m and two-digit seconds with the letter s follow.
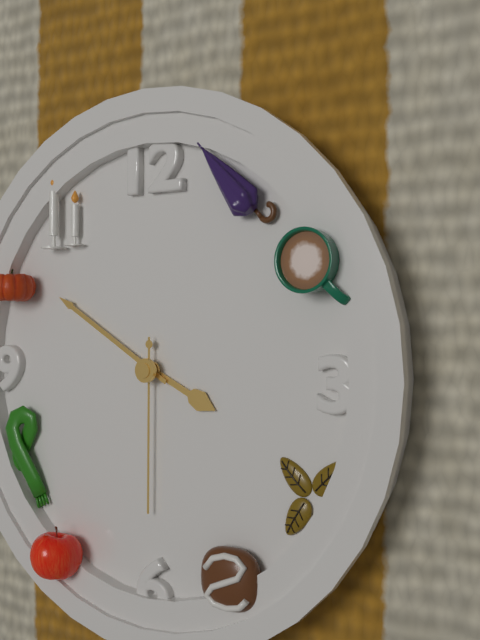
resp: 3h50m30s
